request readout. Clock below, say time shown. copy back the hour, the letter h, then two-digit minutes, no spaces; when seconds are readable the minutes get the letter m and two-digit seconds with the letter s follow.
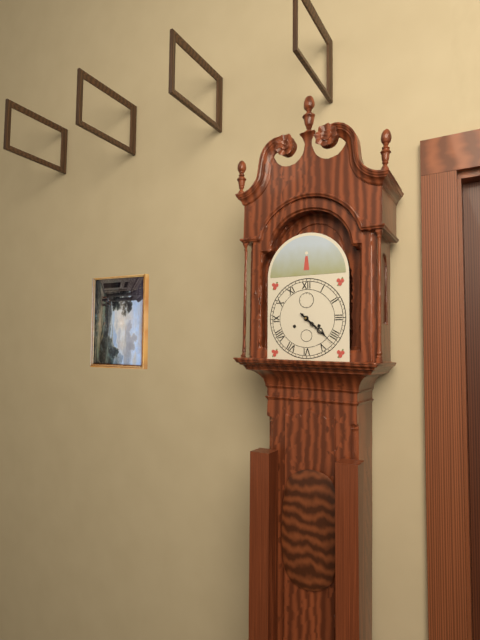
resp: 4h22
